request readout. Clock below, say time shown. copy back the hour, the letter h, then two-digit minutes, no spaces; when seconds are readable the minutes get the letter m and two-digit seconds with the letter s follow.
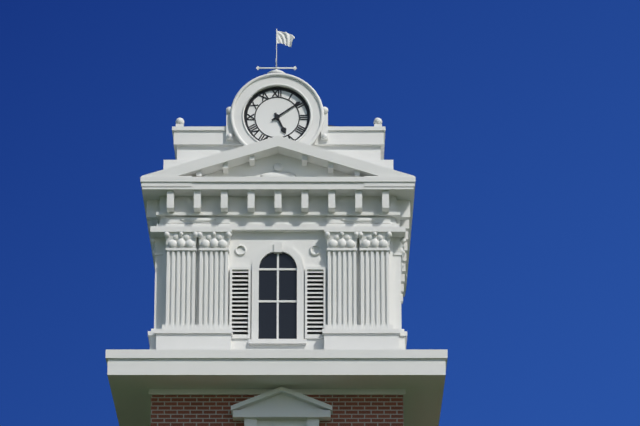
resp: 5h09
